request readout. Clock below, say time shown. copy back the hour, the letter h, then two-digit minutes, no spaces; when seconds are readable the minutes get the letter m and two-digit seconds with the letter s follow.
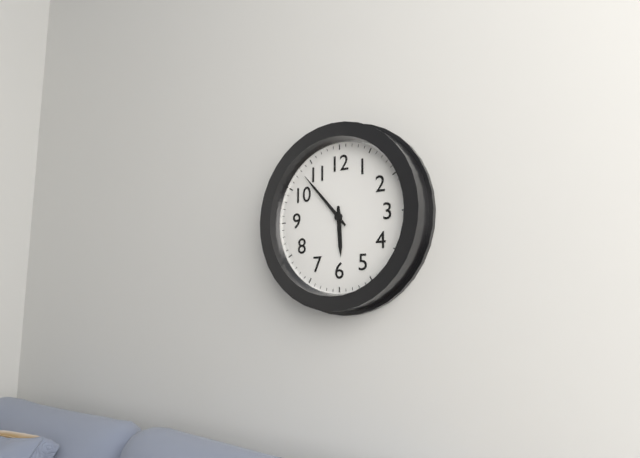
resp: 5h53
